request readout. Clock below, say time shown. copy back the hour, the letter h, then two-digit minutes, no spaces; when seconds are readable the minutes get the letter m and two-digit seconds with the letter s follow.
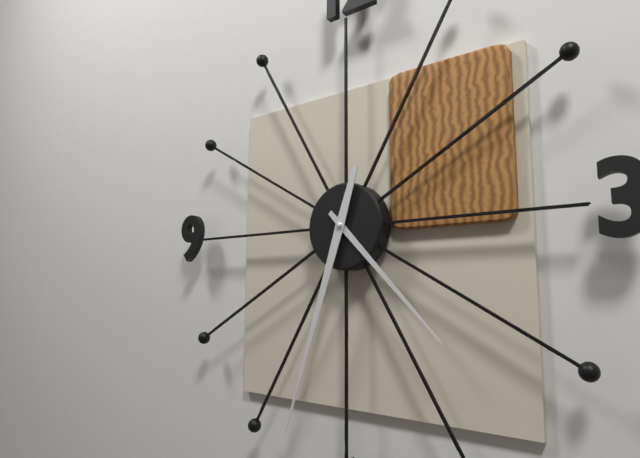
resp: 4h33
